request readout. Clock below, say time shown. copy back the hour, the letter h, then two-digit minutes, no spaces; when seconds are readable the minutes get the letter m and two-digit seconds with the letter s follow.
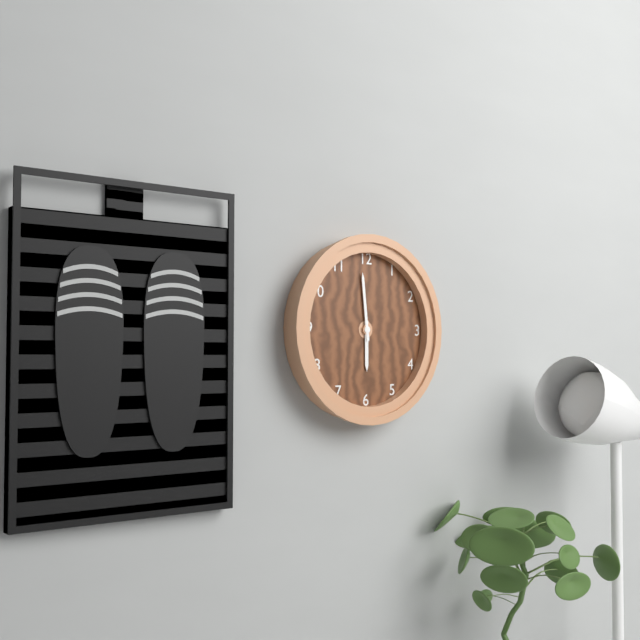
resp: 5h59
